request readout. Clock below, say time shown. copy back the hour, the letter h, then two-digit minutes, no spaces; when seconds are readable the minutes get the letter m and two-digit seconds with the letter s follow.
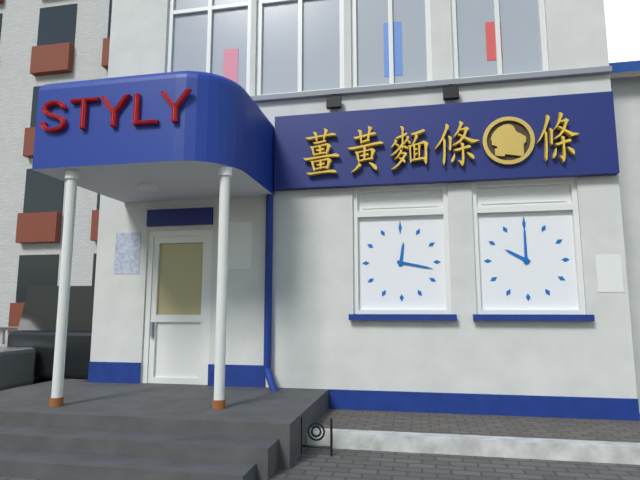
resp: 12h17
